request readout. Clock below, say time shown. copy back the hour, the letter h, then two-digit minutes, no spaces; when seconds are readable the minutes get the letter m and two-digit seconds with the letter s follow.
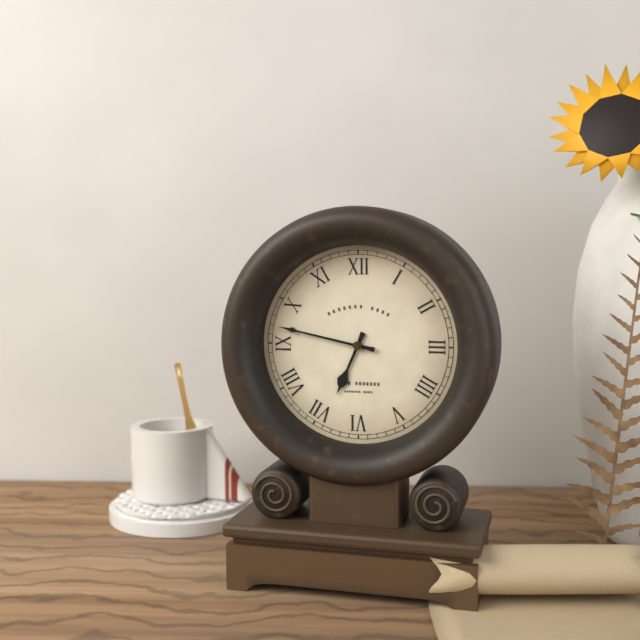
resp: 6h47
